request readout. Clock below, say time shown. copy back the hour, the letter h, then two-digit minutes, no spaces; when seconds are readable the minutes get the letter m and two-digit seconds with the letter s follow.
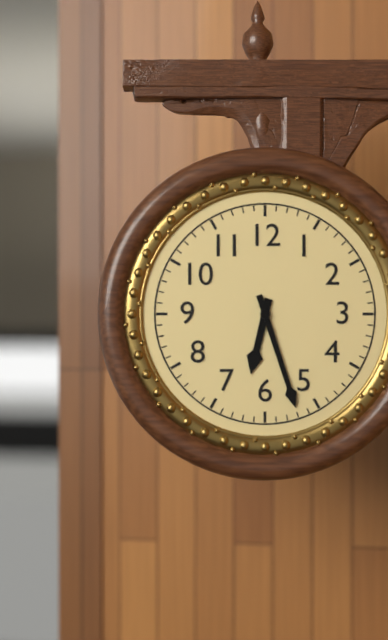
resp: 6h27
